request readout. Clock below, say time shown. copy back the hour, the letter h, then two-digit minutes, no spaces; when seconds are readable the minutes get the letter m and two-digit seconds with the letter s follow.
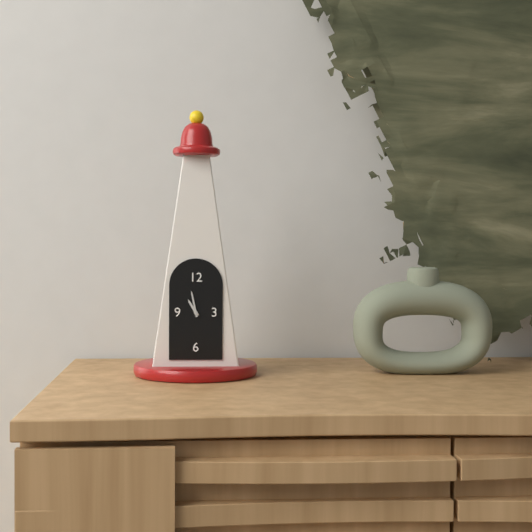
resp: 10h58
